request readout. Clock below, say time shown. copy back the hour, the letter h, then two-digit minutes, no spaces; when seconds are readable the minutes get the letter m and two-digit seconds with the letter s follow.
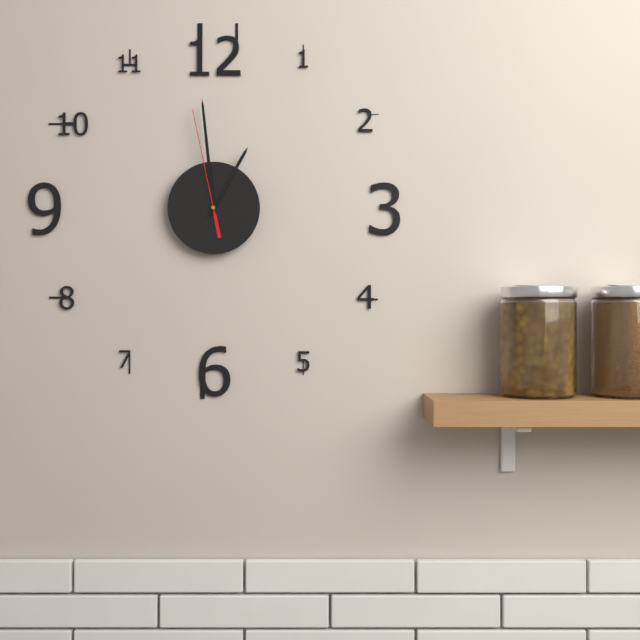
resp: 12h59m58s
